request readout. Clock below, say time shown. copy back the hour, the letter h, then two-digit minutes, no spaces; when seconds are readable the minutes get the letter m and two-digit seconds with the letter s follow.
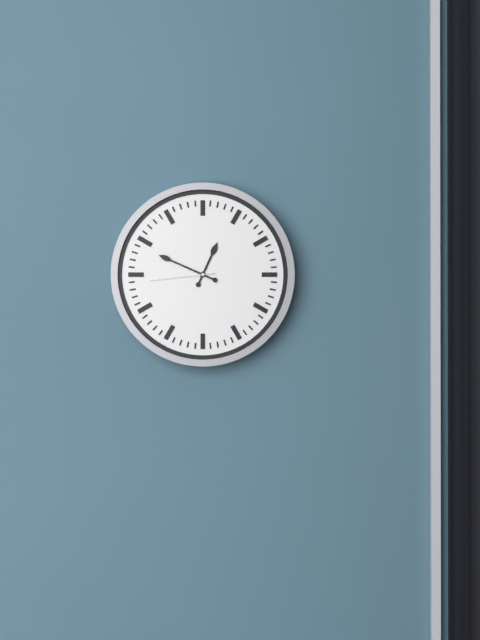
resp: 12h49m44s
